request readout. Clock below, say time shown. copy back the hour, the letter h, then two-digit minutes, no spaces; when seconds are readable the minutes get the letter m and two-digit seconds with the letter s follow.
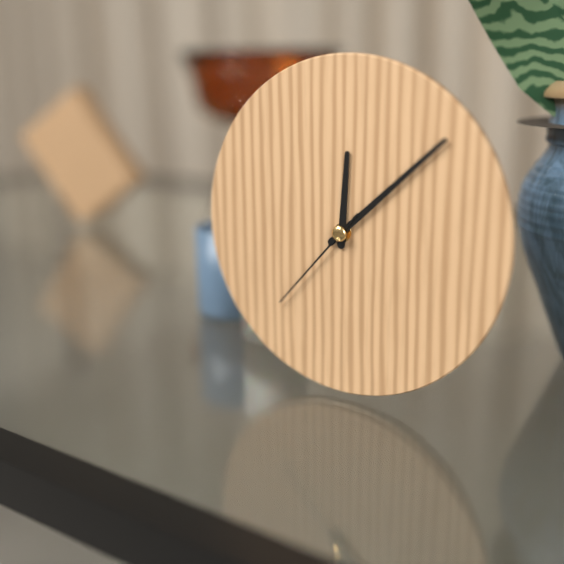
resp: 12h08m37s
